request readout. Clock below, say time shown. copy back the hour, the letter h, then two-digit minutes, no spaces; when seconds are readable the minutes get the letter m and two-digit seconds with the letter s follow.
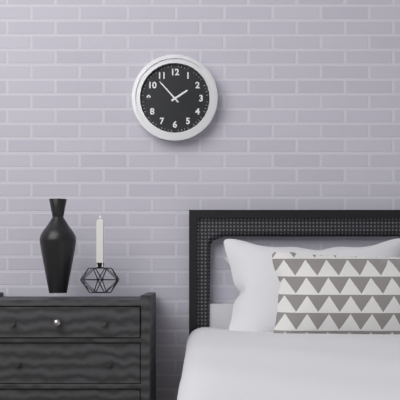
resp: 1h53
